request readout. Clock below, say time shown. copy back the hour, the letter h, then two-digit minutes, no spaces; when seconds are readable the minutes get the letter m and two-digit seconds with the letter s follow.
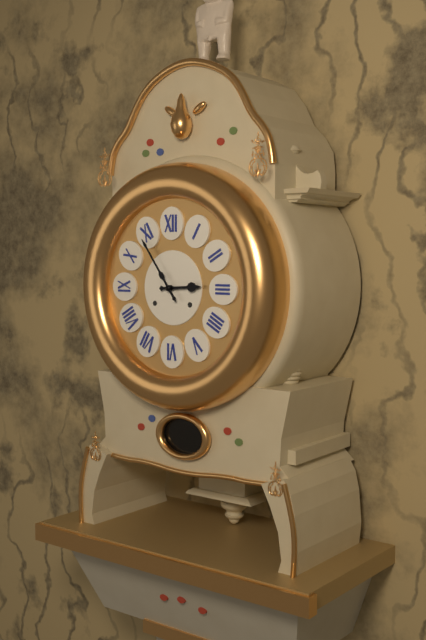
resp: 2h54
